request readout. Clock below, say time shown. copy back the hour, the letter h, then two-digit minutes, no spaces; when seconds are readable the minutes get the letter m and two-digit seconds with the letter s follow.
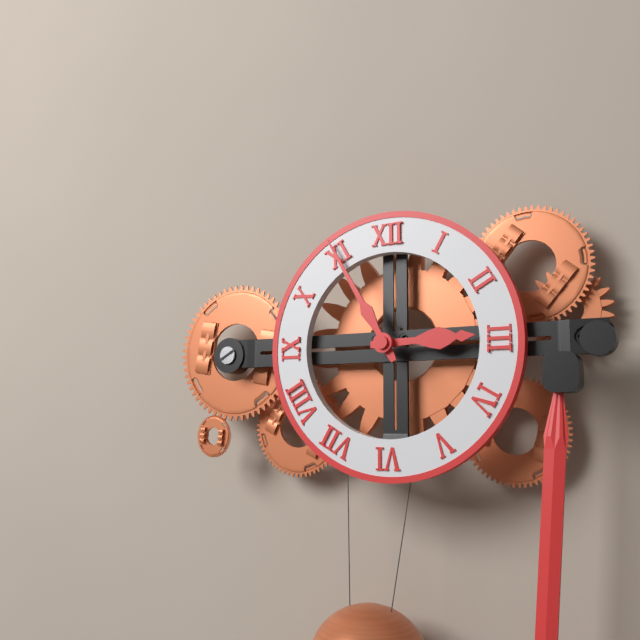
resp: 2h55
